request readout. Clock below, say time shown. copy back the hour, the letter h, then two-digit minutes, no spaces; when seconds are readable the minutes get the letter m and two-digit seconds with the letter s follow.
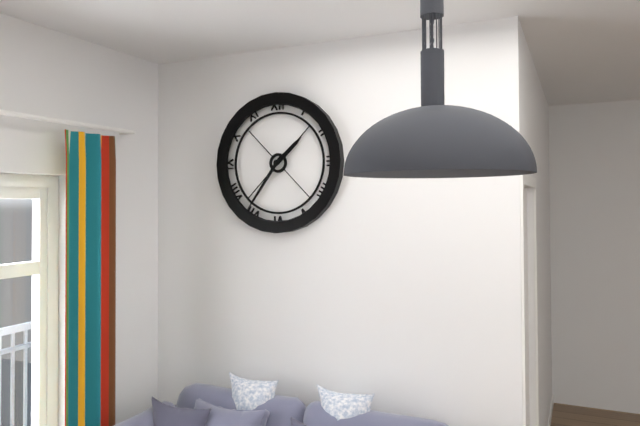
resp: 1h36
